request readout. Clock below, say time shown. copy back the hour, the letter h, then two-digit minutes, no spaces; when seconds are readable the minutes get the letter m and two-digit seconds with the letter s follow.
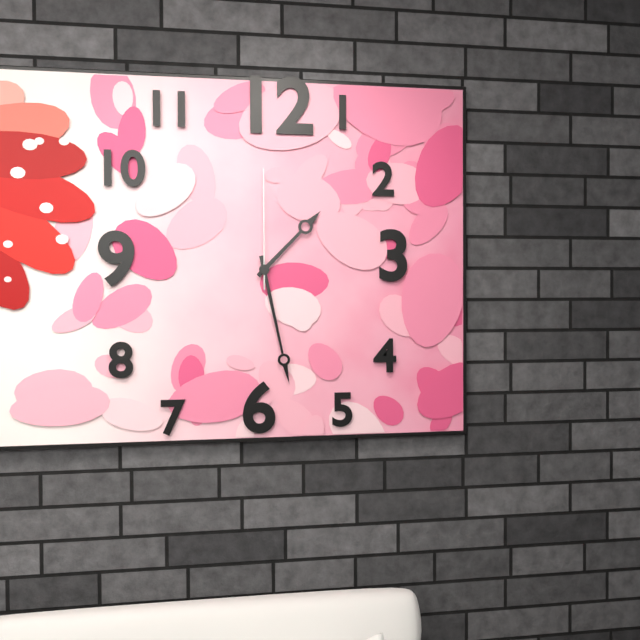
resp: 1h28m00s
